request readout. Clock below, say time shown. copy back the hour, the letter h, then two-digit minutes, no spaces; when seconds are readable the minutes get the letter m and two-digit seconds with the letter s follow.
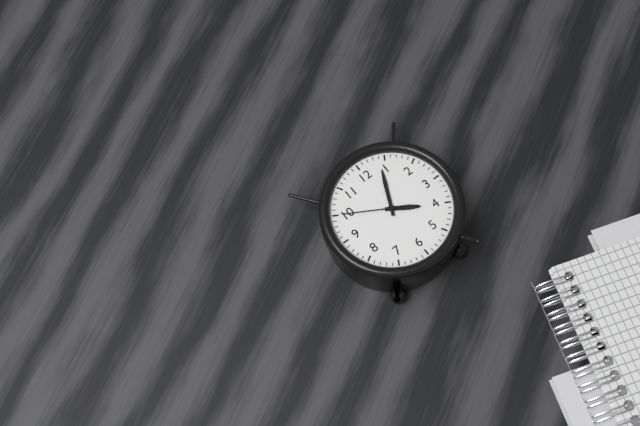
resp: 4h04m50s
